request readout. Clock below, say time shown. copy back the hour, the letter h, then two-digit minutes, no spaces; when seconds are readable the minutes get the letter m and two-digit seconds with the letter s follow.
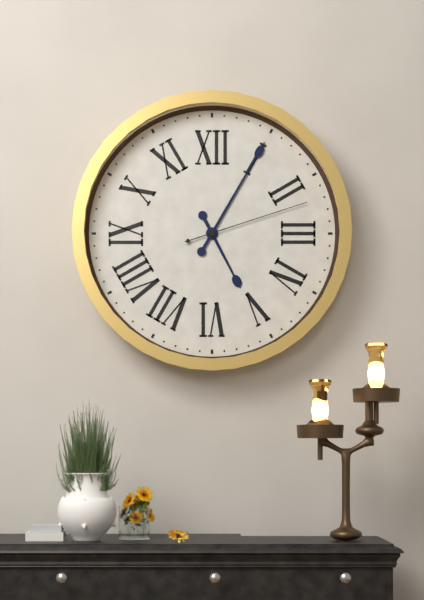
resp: 5h05m12s
